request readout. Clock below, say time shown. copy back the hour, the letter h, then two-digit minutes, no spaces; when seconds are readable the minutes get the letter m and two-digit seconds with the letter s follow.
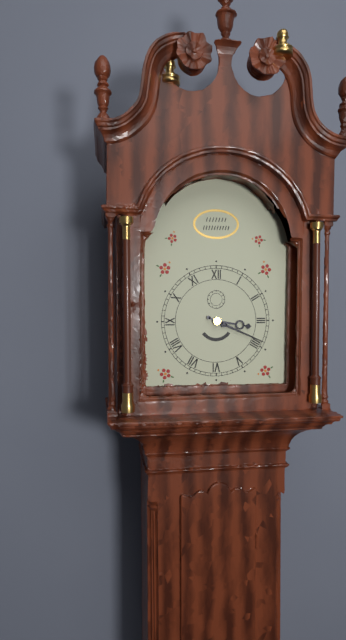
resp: 3h19
